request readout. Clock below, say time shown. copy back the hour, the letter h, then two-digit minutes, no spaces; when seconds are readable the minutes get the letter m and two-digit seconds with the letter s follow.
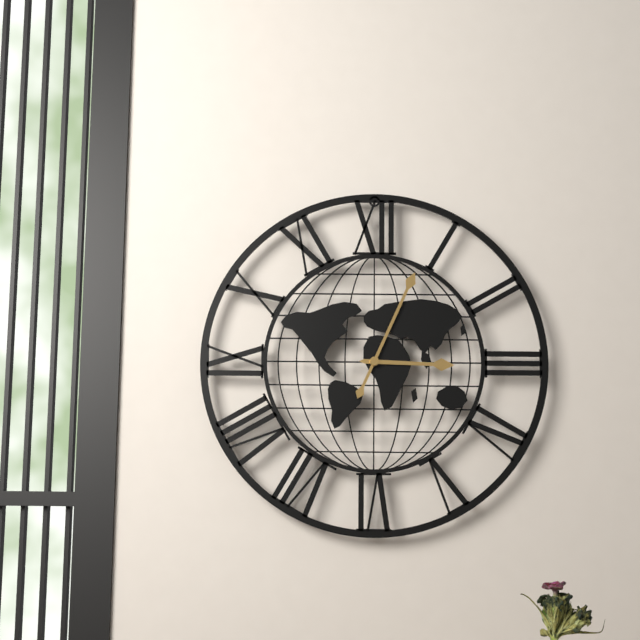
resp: 3h04
